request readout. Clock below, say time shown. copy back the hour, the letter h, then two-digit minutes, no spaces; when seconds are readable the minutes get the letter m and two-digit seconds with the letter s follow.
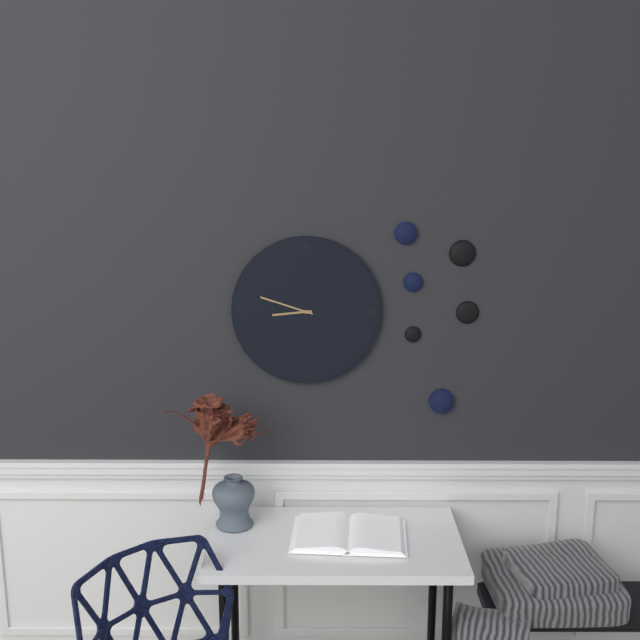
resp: 8h48
